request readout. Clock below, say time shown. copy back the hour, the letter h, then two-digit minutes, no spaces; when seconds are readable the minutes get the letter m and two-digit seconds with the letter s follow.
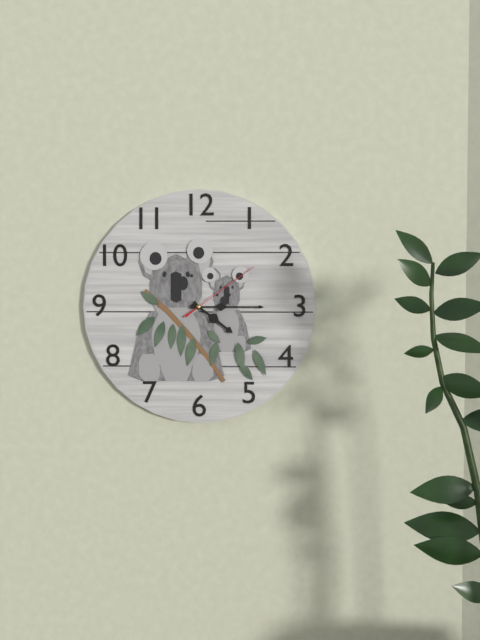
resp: 4h15m09s
